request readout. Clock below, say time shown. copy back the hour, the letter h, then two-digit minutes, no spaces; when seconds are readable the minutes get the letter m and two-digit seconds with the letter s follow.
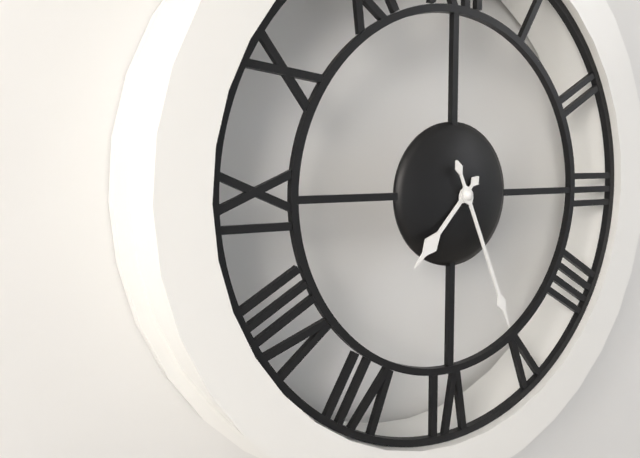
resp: 7h26
